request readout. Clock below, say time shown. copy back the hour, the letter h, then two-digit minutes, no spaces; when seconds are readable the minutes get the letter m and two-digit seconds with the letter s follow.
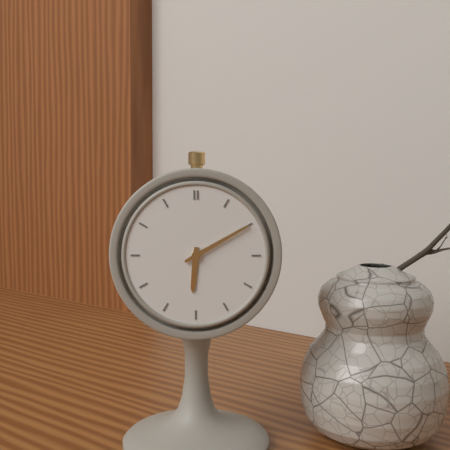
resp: 6h10
